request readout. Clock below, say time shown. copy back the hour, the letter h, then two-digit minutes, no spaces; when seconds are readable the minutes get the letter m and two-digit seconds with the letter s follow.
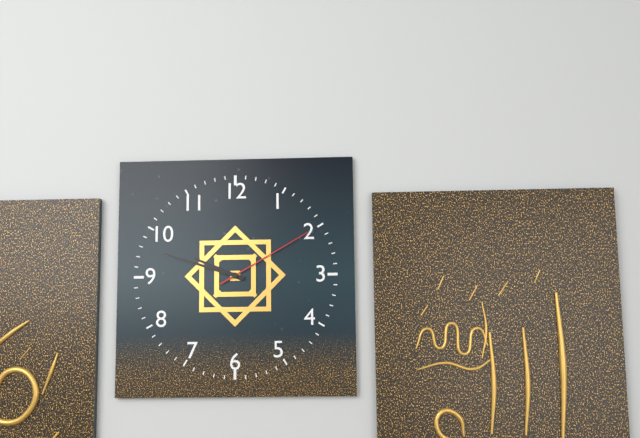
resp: 9h48m10s
